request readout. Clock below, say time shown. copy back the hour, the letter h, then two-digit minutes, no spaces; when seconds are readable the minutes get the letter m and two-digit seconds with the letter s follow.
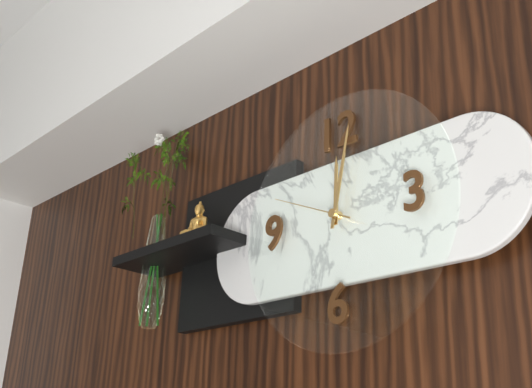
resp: 12h02m49s
